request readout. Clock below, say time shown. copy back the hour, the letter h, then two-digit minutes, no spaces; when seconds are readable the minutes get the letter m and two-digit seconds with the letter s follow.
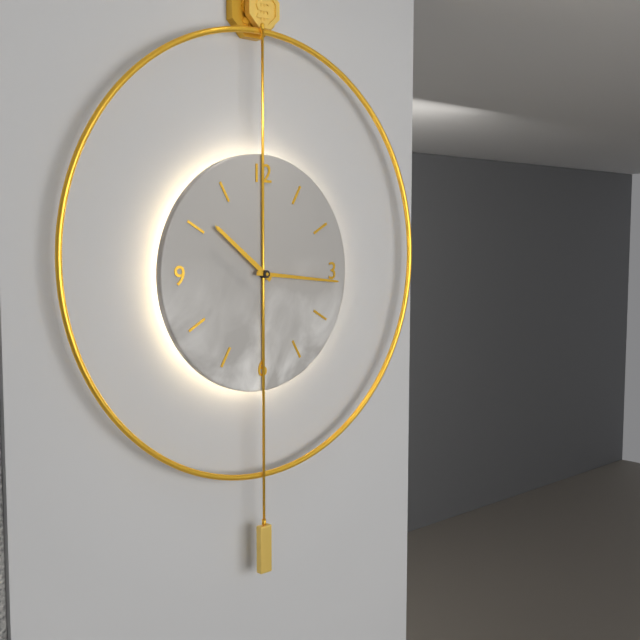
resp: 10h16
